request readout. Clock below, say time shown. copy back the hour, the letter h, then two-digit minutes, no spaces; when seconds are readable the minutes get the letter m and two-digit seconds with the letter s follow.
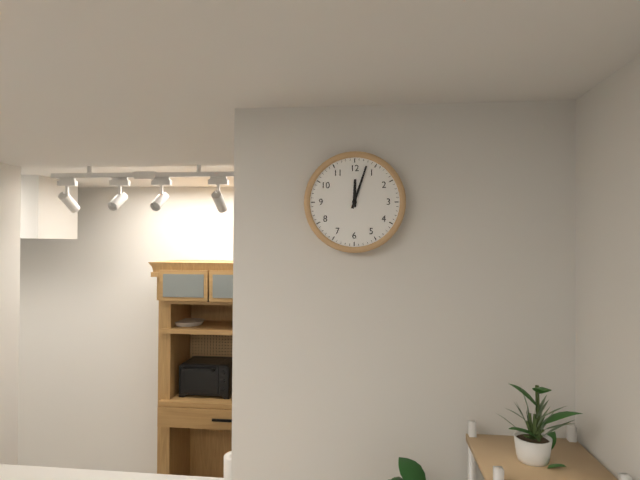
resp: 12h03
